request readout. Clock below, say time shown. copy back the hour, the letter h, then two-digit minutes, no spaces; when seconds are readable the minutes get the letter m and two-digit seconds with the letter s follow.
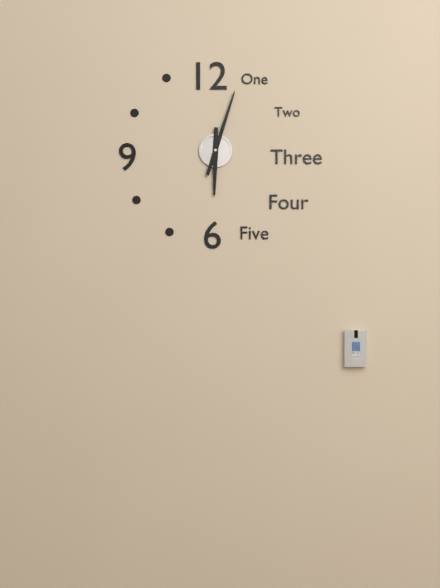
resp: 6h03
